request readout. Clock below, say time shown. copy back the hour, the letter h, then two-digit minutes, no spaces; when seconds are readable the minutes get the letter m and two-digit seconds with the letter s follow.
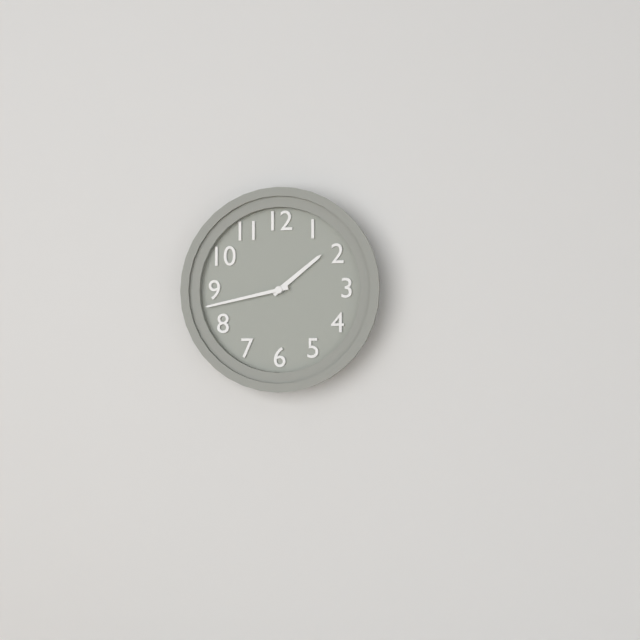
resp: 1h43
